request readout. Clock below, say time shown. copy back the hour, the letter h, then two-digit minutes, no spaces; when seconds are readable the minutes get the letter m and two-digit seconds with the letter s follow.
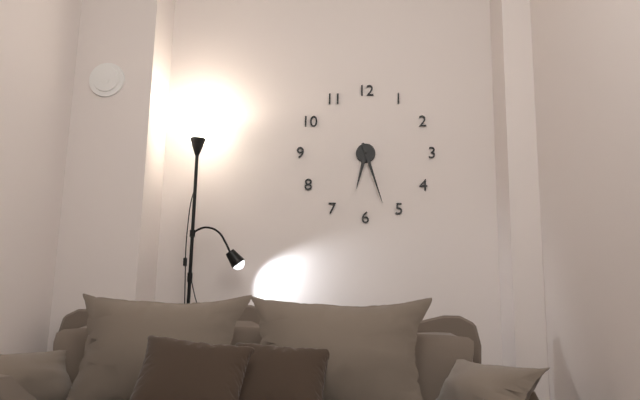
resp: 6h27
